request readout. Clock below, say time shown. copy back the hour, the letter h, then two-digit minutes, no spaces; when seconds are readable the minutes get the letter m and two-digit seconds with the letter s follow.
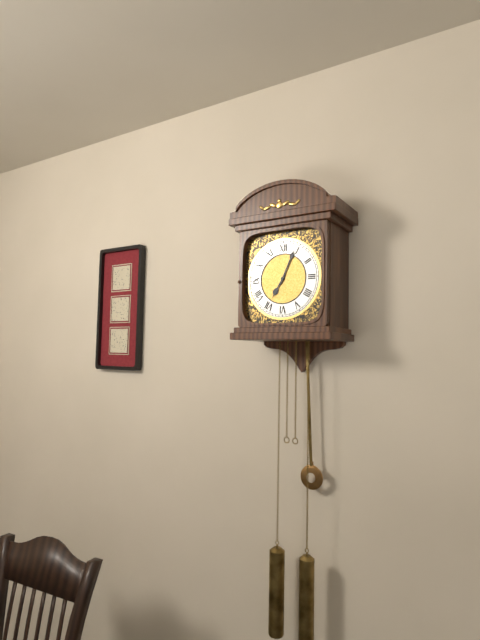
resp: 7h04
